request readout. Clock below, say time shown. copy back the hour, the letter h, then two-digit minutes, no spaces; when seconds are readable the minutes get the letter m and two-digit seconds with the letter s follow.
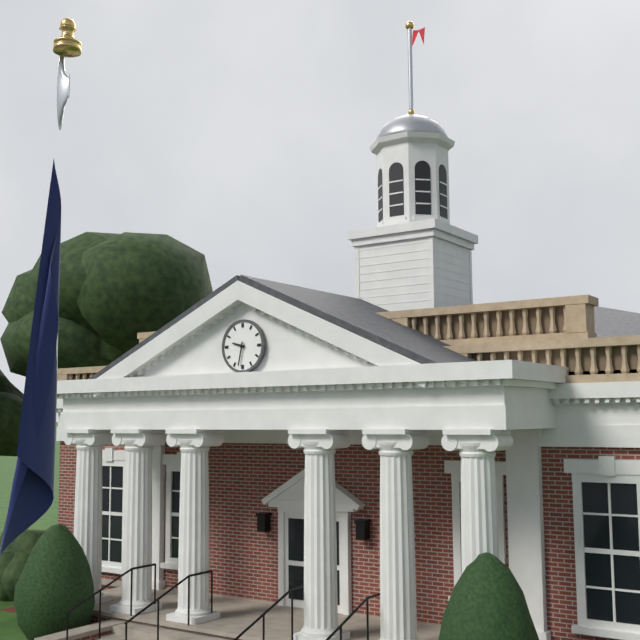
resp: 9h32
